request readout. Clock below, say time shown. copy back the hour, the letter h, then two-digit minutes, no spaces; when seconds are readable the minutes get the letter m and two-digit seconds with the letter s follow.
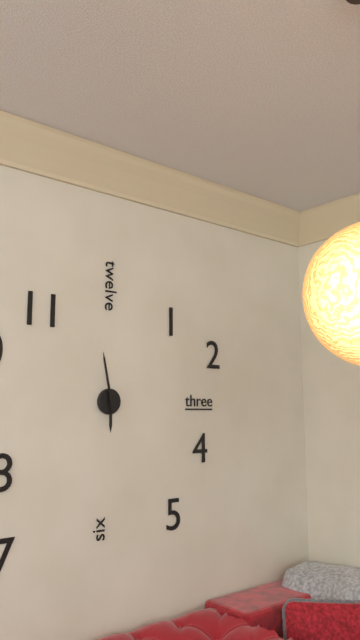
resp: 5h58
